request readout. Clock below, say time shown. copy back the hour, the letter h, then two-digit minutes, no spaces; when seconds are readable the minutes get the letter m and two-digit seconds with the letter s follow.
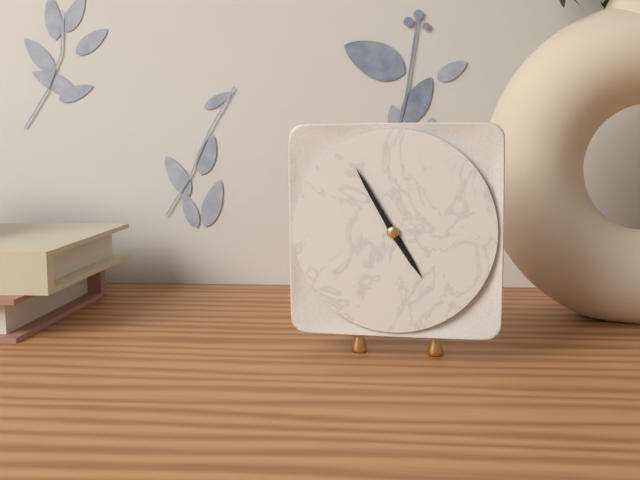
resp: 4h55
